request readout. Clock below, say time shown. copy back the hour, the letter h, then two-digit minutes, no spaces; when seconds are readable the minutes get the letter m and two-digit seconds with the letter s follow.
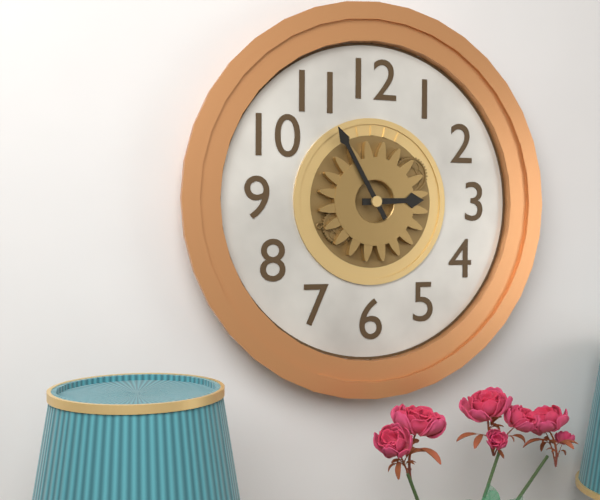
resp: 2h55
